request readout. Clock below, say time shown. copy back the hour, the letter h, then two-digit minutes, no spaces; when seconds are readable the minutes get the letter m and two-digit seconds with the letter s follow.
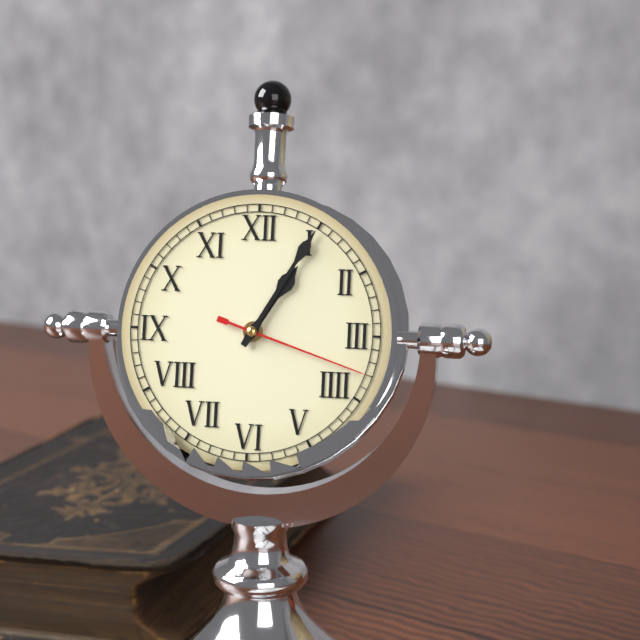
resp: 1h05m18s
